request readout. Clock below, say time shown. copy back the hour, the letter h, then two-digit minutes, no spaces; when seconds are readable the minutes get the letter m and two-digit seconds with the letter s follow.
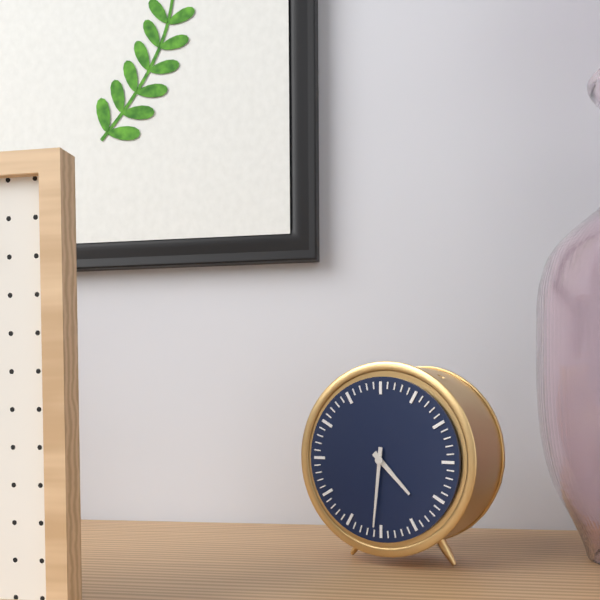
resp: 4h31
